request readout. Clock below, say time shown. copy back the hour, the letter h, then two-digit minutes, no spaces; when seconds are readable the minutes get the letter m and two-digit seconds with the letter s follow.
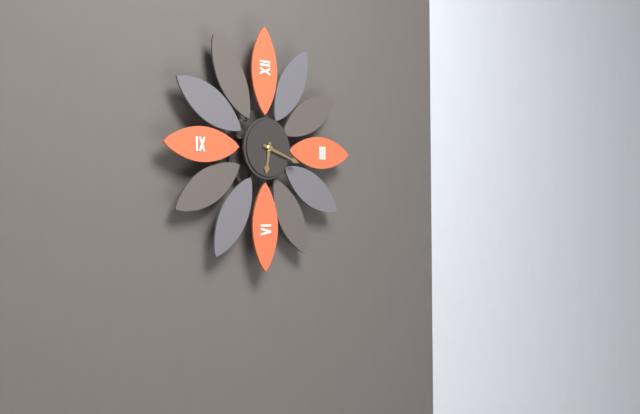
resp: 6h18
